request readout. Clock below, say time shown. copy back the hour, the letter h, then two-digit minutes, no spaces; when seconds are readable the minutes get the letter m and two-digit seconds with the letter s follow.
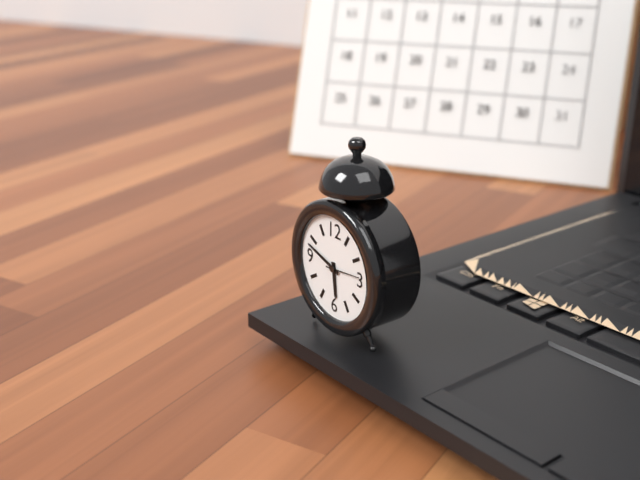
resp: 5h48
